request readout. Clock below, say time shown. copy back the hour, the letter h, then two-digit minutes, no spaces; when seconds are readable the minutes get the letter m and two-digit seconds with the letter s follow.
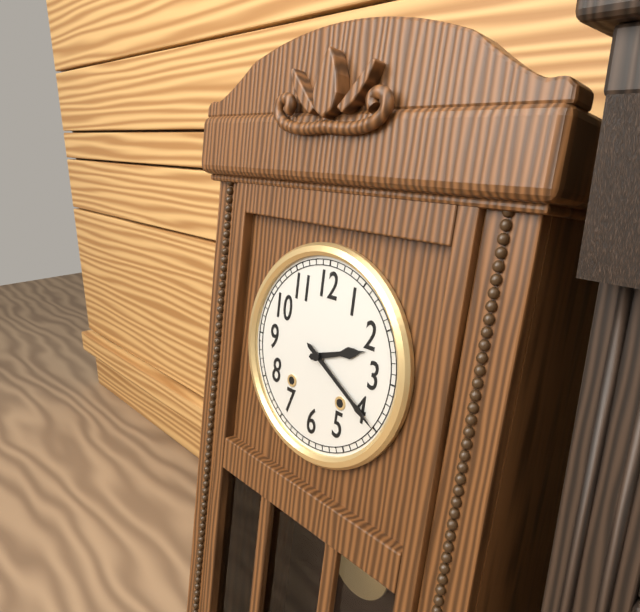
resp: 2h20
